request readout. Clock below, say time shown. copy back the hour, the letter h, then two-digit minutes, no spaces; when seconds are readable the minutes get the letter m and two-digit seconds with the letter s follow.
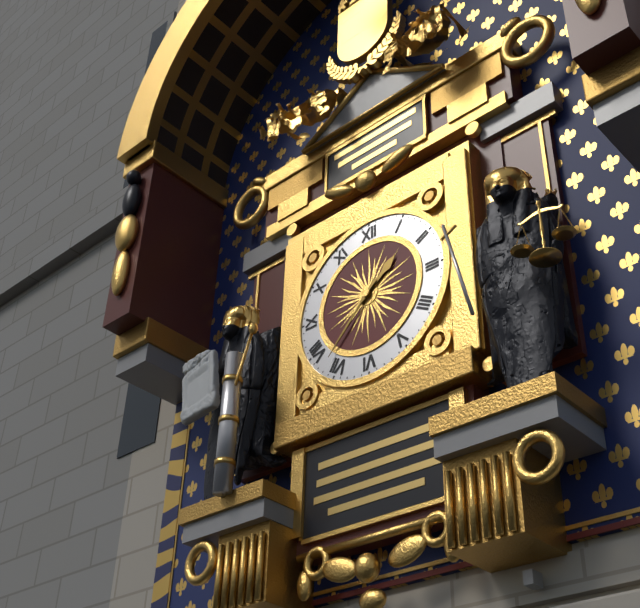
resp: 1h37
